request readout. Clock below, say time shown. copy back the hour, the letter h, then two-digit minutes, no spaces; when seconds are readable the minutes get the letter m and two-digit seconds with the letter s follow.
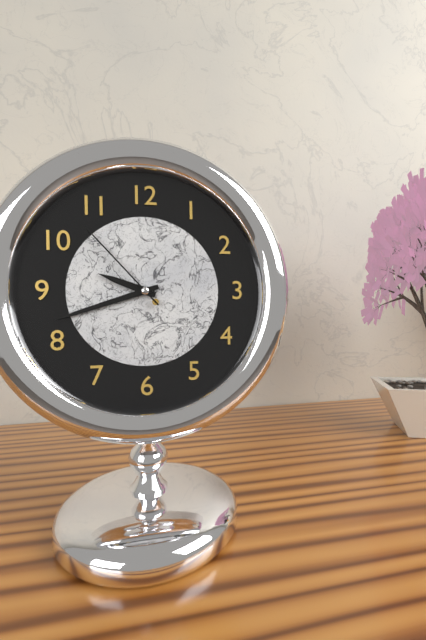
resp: 9h42m53s
